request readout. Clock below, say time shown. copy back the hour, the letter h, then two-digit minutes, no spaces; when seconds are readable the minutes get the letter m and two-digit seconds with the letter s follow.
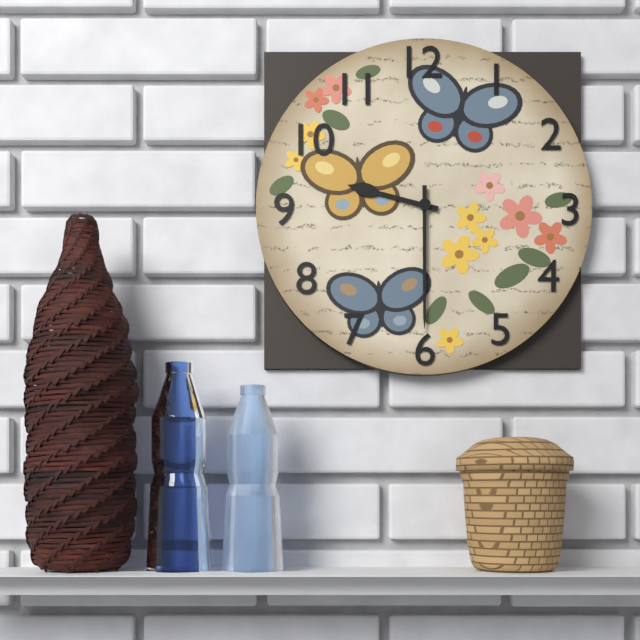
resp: 9h30
